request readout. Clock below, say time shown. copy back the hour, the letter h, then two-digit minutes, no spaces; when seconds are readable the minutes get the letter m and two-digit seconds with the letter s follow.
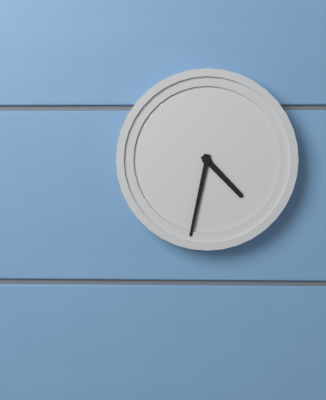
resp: 4h32
